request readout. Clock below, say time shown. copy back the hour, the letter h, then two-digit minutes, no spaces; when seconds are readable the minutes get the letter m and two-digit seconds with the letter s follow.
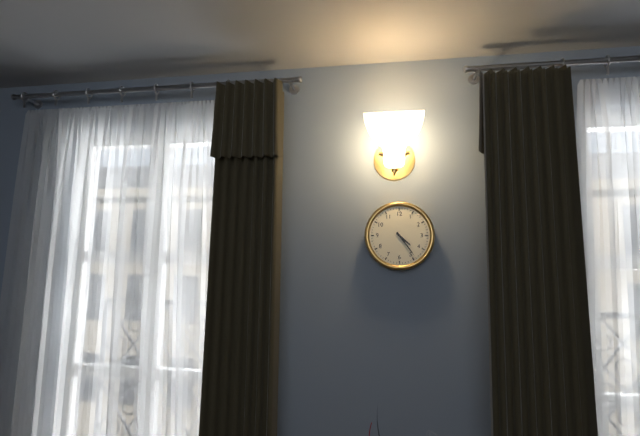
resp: 4h24
